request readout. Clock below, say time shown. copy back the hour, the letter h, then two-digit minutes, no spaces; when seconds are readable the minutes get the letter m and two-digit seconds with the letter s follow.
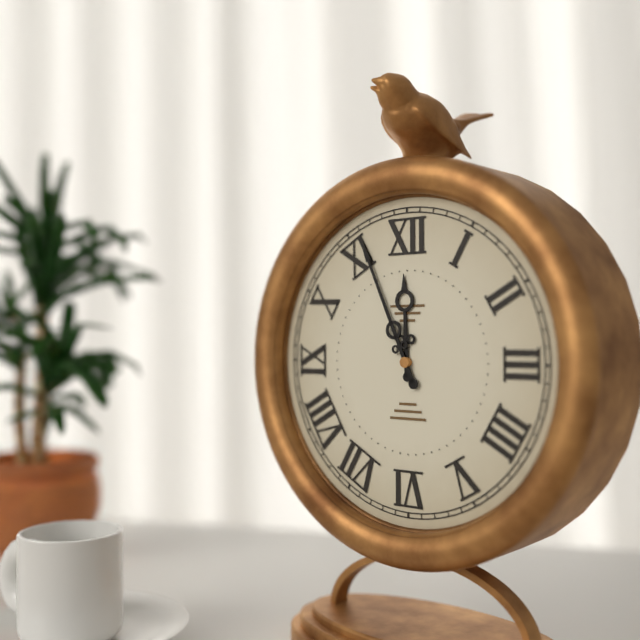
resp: 11h56
